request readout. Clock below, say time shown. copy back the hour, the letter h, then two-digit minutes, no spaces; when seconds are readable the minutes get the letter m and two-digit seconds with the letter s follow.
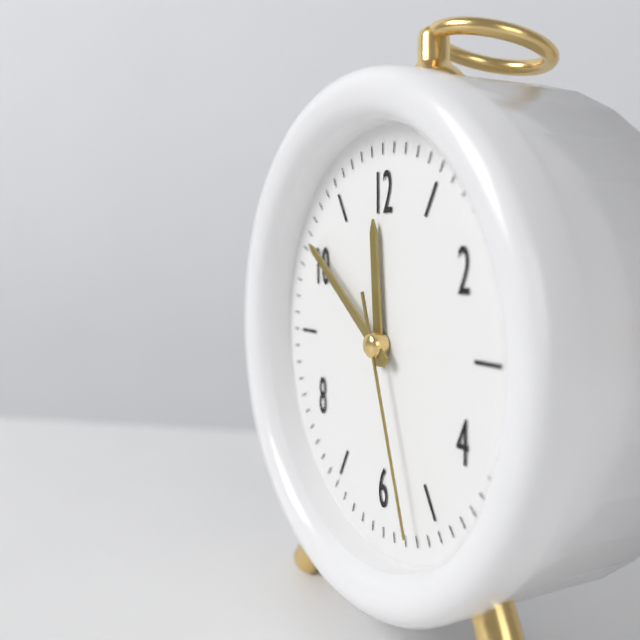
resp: 11h51m27s
